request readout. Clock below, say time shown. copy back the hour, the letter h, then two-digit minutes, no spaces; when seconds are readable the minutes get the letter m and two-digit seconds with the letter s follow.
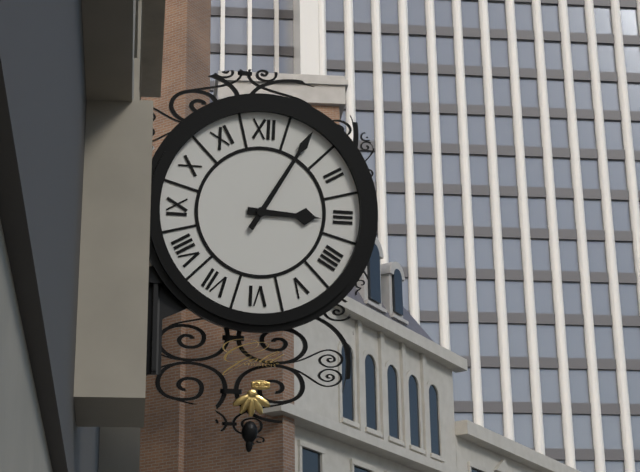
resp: 3h05
